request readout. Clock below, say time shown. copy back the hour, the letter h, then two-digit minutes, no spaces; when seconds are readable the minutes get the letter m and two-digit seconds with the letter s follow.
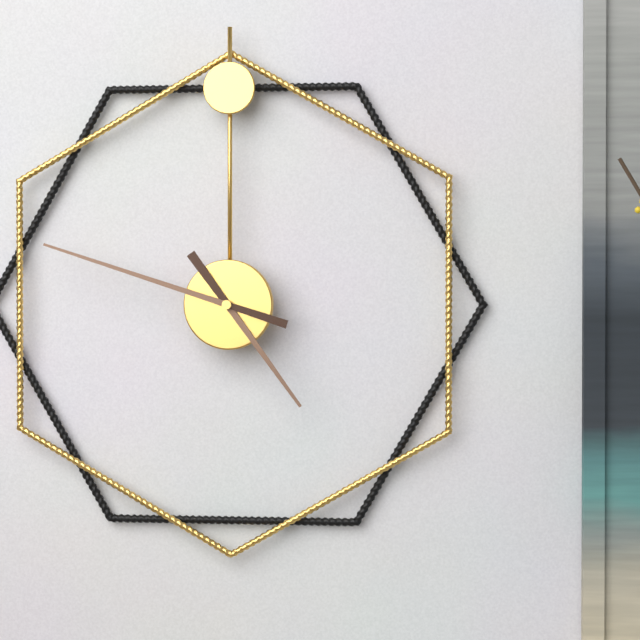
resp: 4h48
